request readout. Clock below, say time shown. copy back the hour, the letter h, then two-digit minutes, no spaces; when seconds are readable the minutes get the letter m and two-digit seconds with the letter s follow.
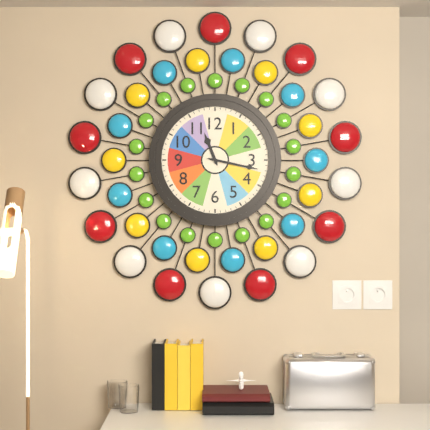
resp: 11h17
